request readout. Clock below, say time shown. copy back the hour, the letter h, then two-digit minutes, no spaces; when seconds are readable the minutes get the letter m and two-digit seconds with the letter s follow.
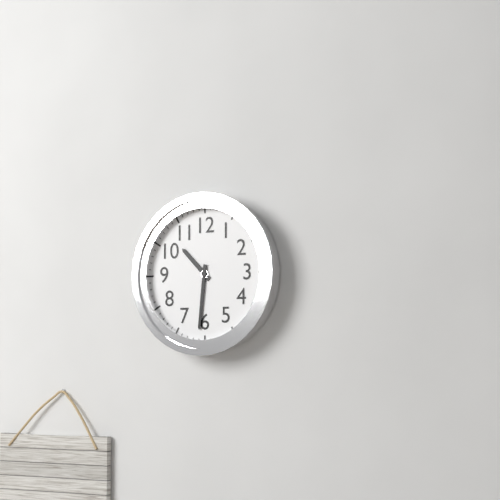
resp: 10h31
